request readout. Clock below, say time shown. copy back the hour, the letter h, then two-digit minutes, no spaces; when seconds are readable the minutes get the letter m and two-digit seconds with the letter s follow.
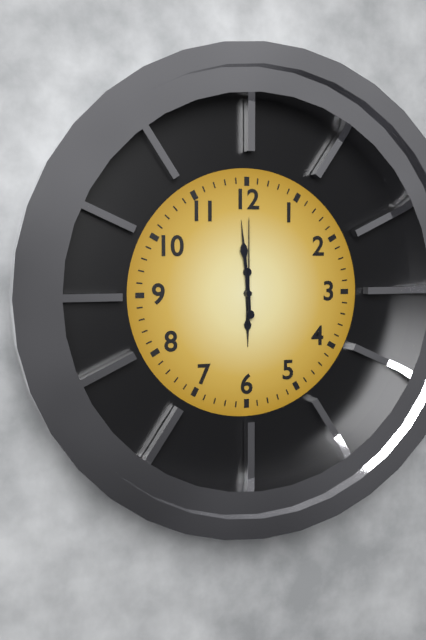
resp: 5h59m00s
